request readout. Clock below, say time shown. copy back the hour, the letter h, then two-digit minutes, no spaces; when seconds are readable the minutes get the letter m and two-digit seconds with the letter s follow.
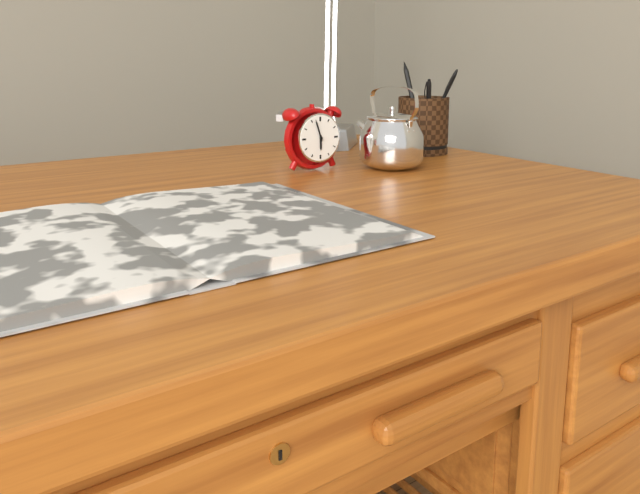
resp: 5h57
